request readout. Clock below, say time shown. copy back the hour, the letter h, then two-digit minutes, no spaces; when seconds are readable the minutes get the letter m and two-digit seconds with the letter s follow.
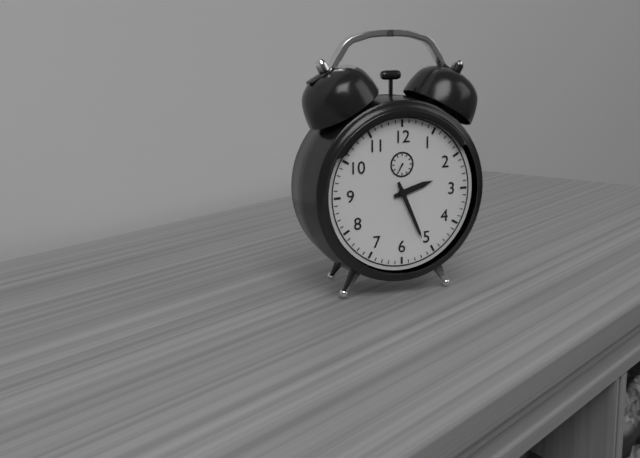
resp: 2h26
